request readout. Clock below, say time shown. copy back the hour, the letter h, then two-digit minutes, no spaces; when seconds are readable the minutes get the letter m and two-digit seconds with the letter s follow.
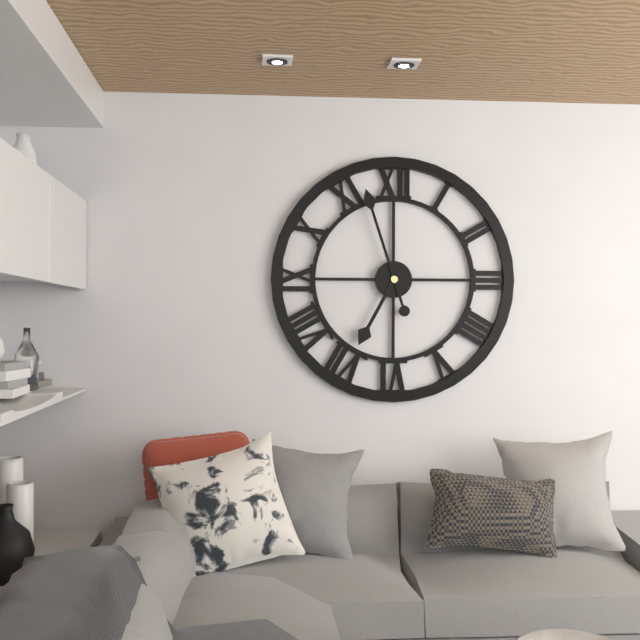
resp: 6h57
